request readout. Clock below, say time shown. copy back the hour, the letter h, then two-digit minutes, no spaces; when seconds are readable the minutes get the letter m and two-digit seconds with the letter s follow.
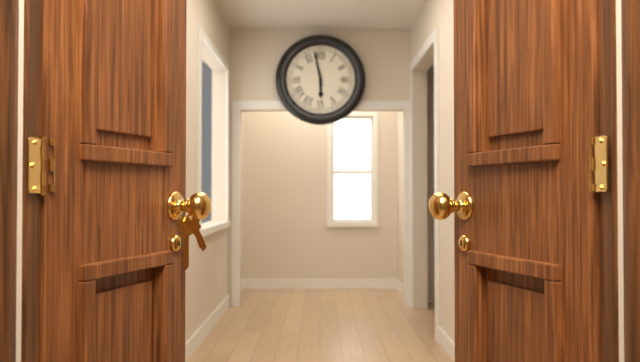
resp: 5h58
